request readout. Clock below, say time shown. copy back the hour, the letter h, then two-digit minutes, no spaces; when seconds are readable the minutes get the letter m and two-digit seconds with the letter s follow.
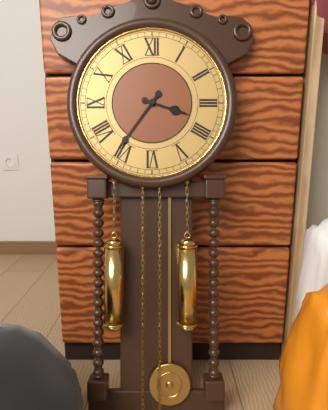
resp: 3h36
